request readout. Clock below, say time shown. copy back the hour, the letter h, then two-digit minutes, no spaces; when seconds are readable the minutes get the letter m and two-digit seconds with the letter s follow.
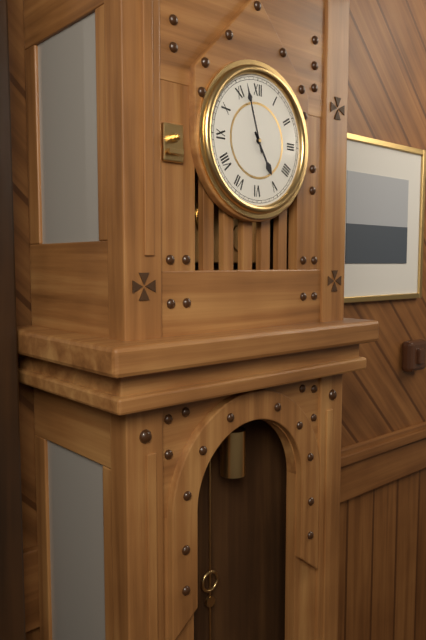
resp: 4h57
